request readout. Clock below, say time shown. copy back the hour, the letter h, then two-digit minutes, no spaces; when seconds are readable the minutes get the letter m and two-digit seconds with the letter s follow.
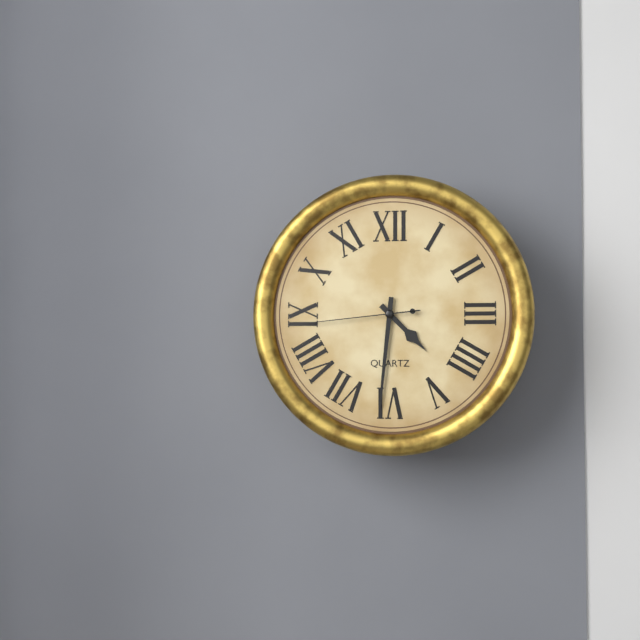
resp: 4h31m44s
